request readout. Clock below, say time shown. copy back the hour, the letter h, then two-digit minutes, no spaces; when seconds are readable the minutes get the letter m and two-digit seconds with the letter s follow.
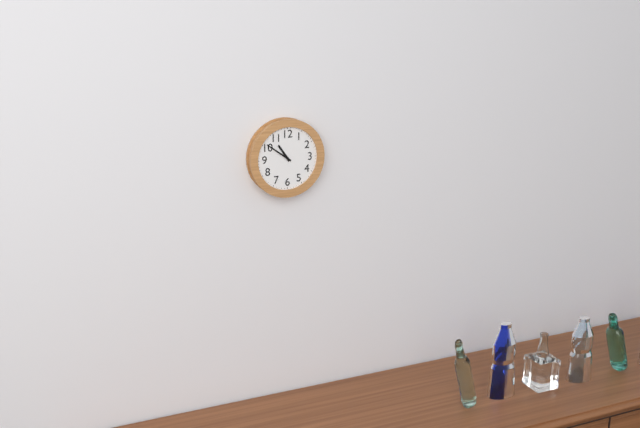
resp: 10h51
